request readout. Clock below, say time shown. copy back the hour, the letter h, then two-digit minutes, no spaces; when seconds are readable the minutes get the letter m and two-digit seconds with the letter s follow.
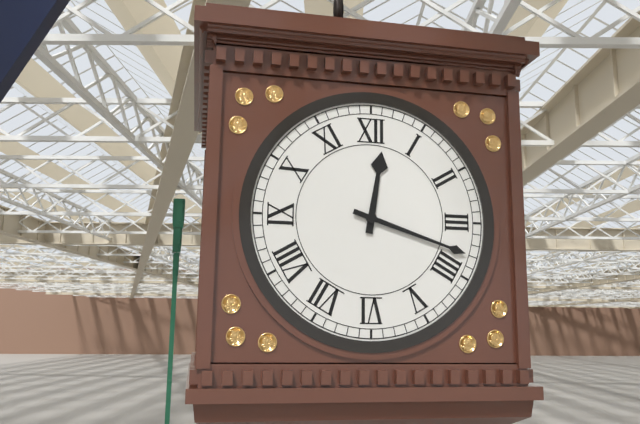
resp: 12h18
